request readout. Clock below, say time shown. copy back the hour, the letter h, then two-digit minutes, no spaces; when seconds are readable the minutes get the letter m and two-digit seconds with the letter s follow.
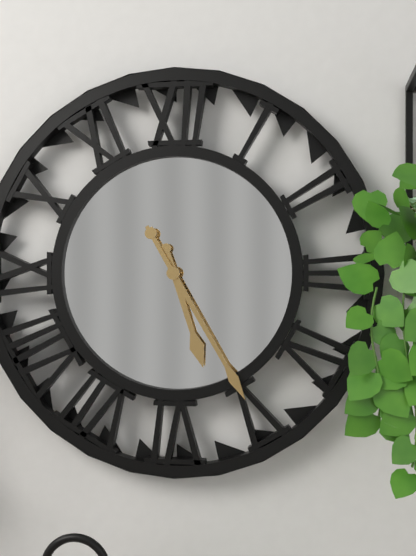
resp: 5h25
